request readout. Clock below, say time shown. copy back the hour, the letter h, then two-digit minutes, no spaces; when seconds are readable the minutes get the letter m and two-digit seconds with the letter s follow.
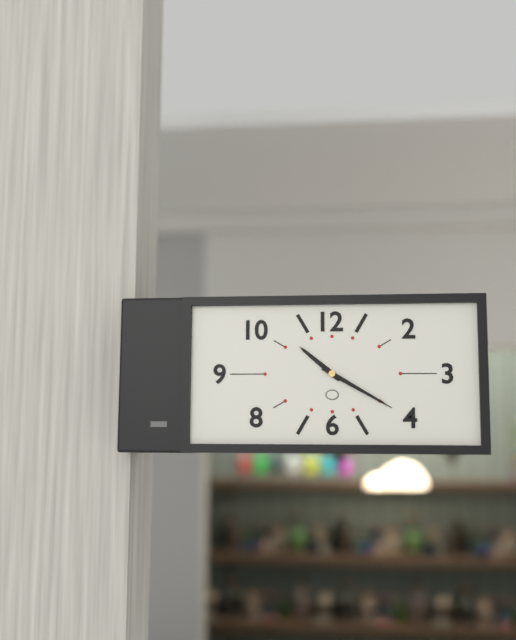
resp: 10h20
